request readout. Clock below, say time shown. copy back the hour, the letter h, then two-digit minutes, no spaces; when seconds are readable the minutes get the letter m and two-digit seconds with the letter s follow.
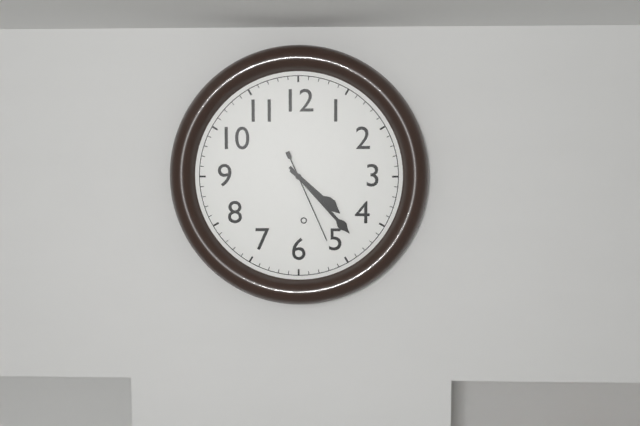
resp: 4h23m26s
